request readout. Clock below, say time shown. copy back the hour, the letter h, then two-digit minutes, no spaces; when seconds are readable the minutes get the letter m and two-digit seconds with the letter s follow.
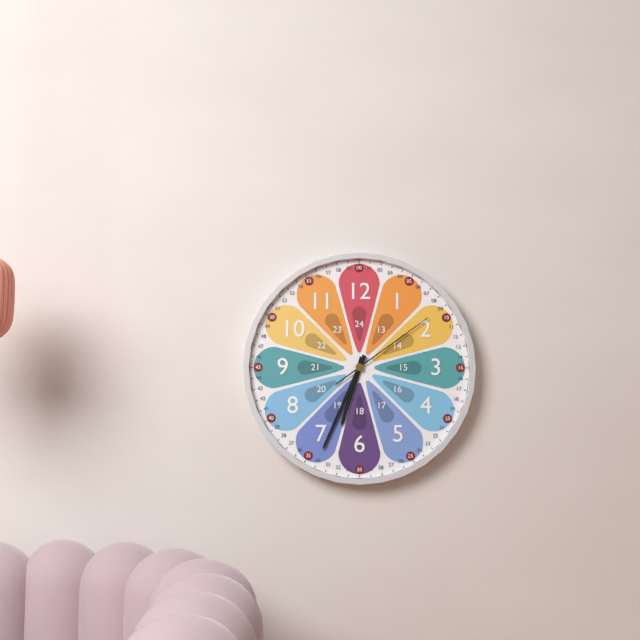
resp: 6h34m09s
